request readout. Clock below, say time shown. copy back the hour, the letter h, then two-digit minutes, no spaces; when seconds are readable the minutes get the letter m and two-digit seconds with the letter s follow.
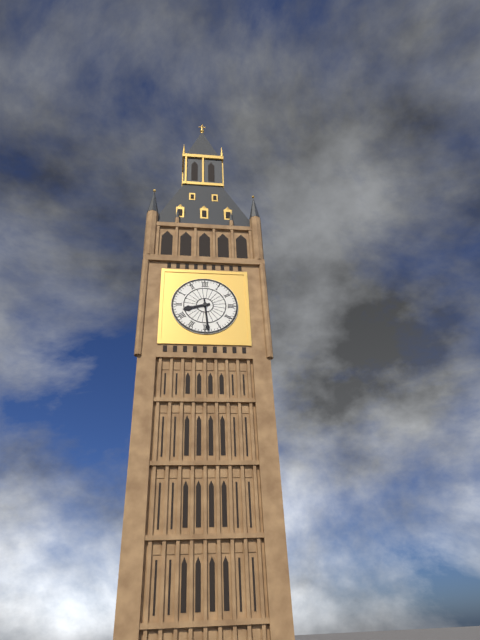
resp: 8h29
